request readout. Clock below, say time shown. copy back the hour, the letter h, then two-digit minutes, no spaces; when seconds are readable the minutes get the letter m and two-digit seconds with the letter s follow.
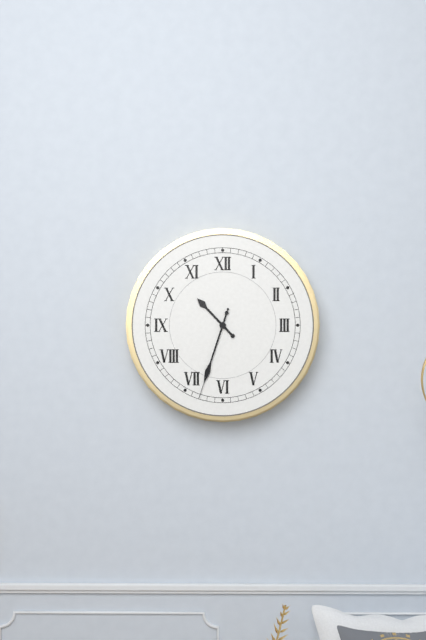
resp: 10h33m33s
